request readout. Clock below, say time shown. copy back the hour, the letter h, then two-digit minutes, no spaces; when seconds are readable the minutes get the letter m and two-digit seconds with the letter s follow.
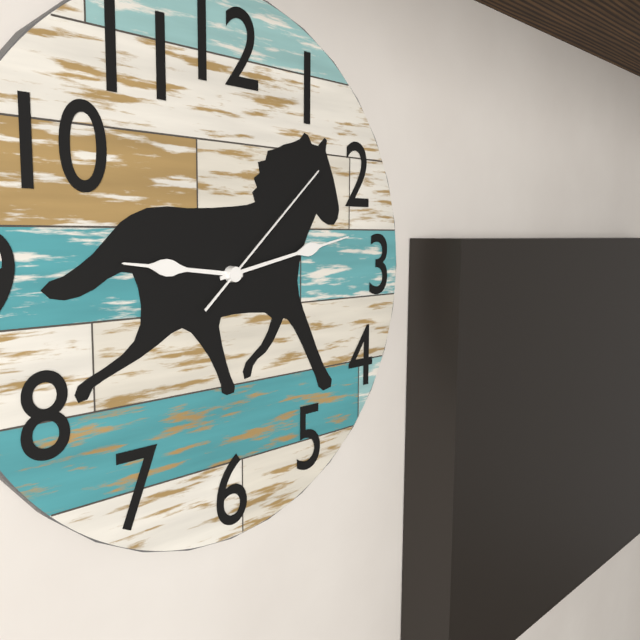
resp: 9h13m08s
